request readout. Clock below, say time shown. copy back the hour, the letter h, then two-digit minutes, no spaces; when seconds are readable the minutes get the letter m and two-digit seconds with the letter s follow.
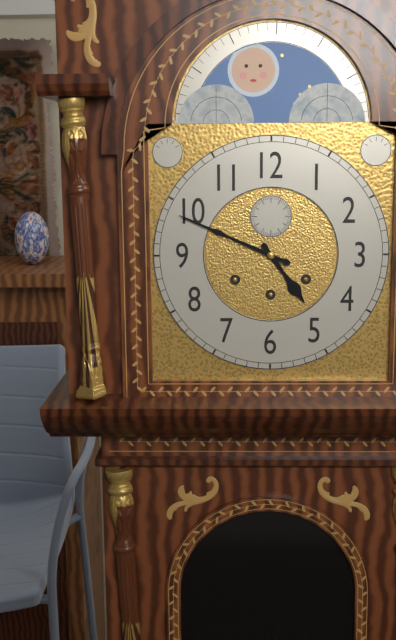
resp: 4h49
